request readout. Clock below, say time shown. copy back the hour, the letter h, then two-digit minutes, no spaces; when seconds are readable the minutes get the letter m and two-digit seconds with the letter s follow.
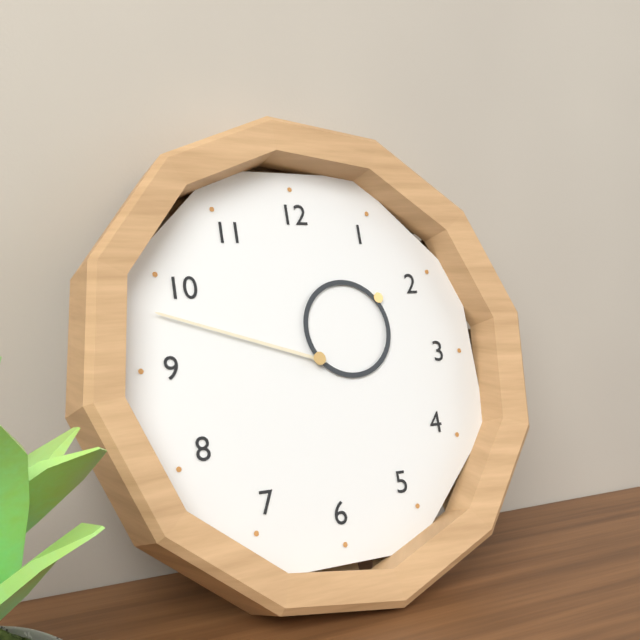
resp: 1h48
